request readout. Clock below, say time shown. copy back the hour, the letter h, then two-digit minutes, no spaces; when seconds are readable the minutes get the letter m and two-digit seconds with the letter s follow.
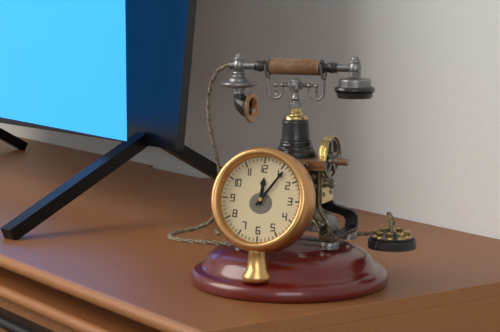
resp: 12h06
